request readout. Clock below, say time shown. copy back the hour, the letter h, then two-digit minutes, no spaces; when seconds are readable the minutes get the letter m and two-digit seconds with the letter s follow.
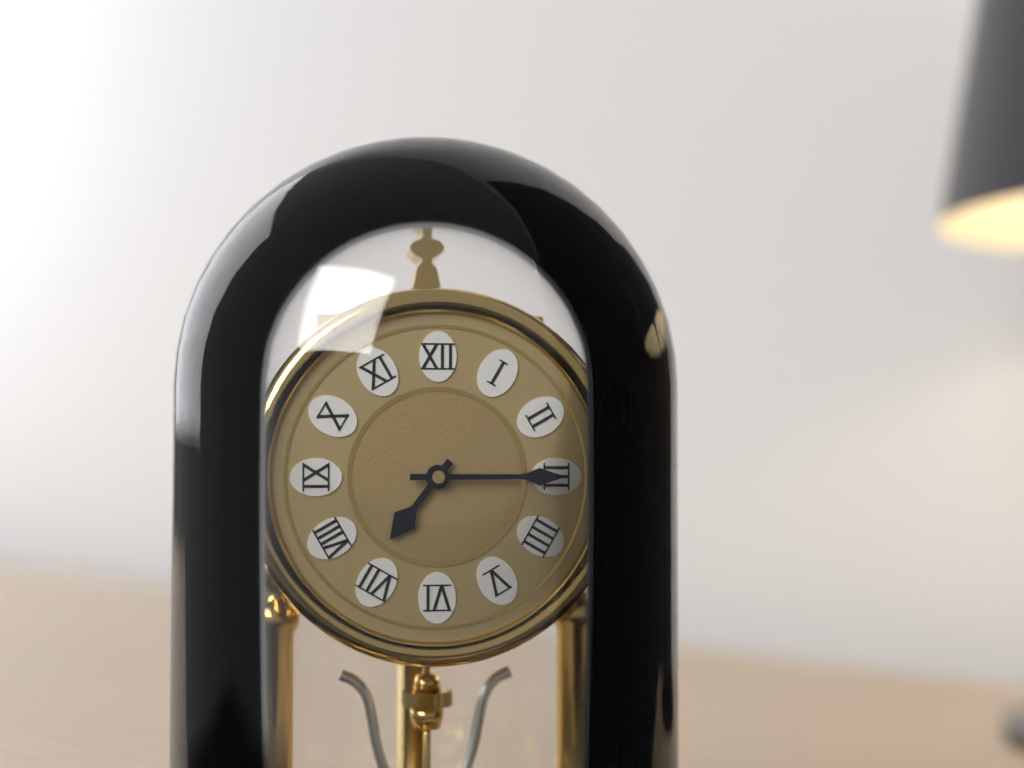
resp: 7h15
